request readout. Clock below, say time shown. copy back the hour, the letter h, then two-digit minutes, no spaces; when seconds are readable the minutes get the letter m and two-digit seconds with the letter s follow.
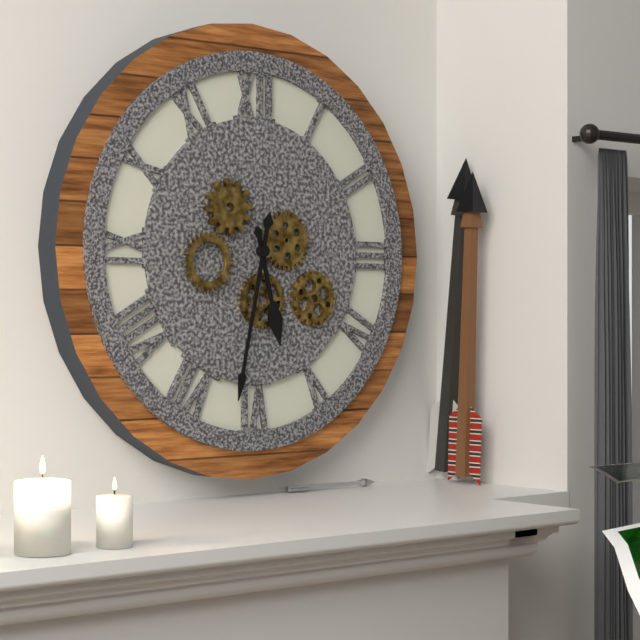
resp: 5h32
